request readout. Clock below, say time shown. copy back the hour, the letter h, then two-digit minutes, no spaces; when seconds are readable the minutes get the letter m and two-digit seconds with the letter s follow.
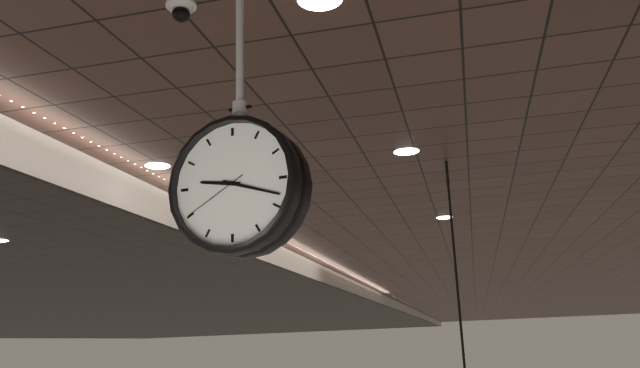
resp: 9h18m40s
